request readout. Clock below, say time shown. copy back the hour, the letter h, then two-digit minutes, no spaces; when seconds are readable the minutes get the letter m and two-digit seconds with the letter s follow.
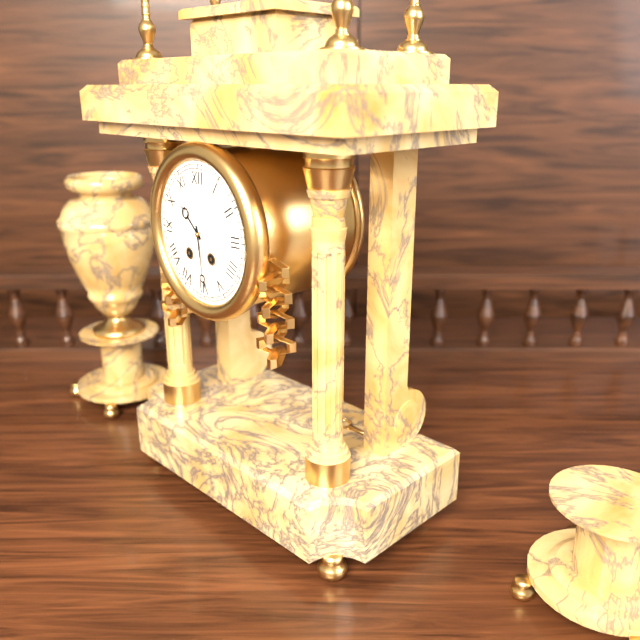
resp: 10h29
